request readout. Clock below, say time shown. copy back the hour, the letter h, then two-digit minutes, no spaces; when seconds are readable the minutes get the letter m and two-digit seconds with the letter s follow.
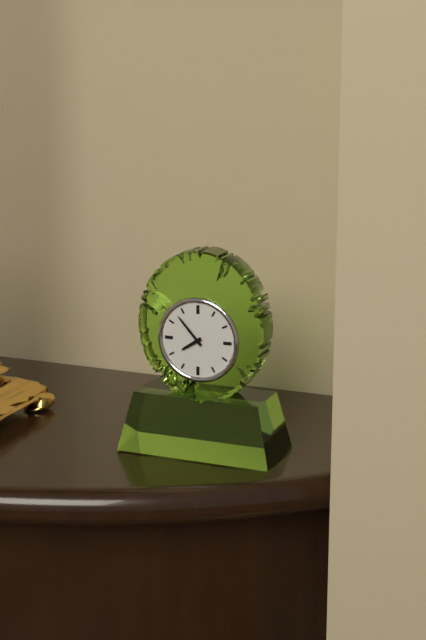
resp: 7h53
